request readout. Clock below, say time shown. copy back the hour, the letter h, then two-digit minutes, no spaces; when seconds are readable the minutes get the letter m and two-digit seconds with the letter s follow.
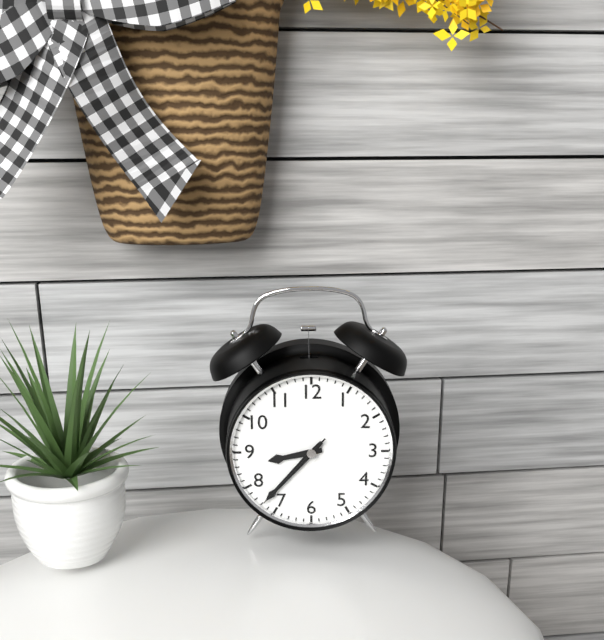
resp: 8h37m37s
